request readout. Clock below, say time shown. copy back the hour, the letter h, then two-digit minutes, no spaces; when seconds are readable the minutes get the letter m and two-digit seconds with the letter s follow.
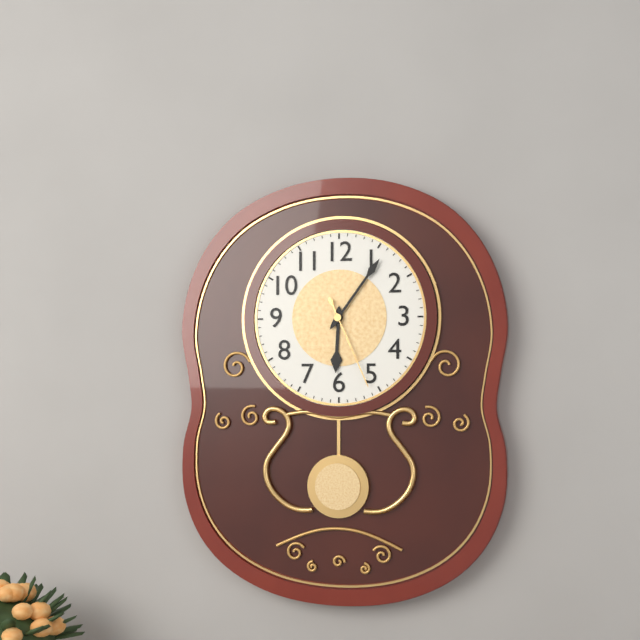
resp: 6h06m26s
